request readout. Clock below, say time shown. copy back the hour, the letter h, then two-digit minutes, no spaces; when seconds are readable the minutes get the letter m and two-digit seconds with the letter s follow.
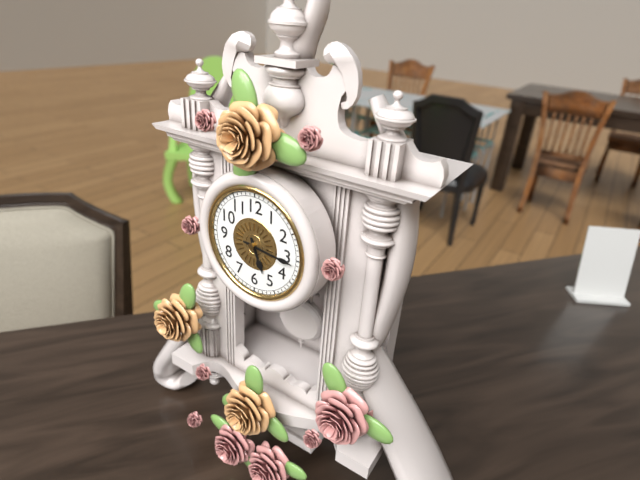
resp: 5h16
